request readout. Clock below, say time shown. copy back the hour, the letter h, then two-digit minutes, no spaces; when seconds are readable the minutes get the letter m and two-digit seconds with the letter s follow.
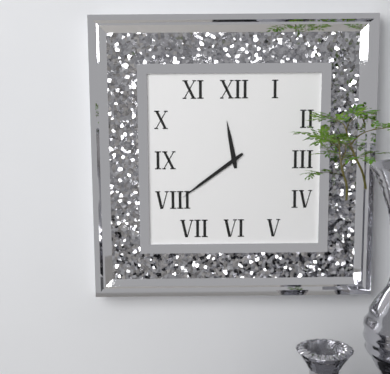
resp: 11h39
